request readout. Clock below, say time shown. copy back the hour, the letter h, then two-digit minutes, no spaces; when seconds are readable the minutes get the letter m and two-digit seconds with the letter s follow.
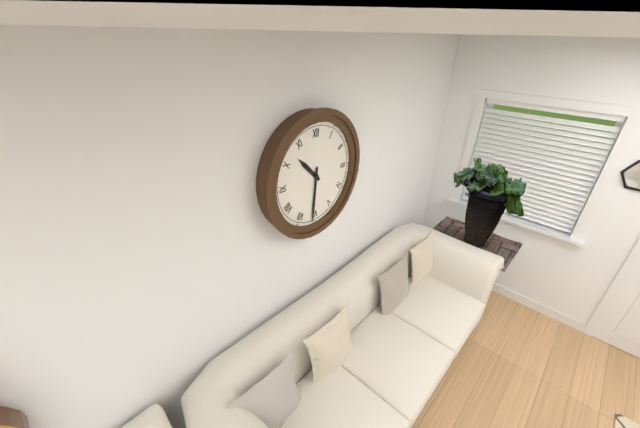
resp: 10h31
